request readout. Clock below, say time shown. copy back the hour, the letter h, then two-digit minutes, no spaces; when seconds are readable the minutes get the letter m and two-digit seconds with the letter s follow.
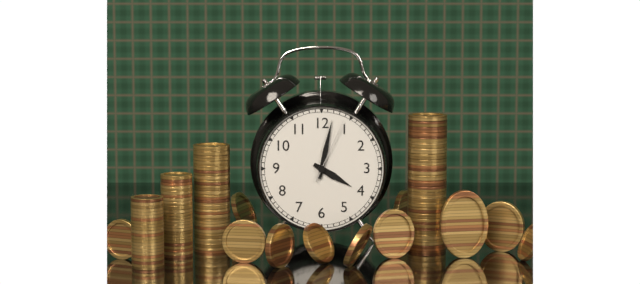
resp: 4h02m04s
